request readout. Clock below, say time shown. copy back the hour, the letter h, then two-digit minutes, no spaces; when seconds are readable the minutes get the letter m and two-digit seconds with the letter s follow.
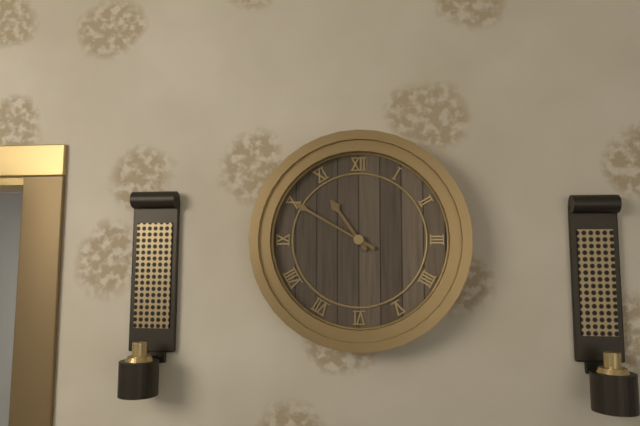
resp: 10h50
